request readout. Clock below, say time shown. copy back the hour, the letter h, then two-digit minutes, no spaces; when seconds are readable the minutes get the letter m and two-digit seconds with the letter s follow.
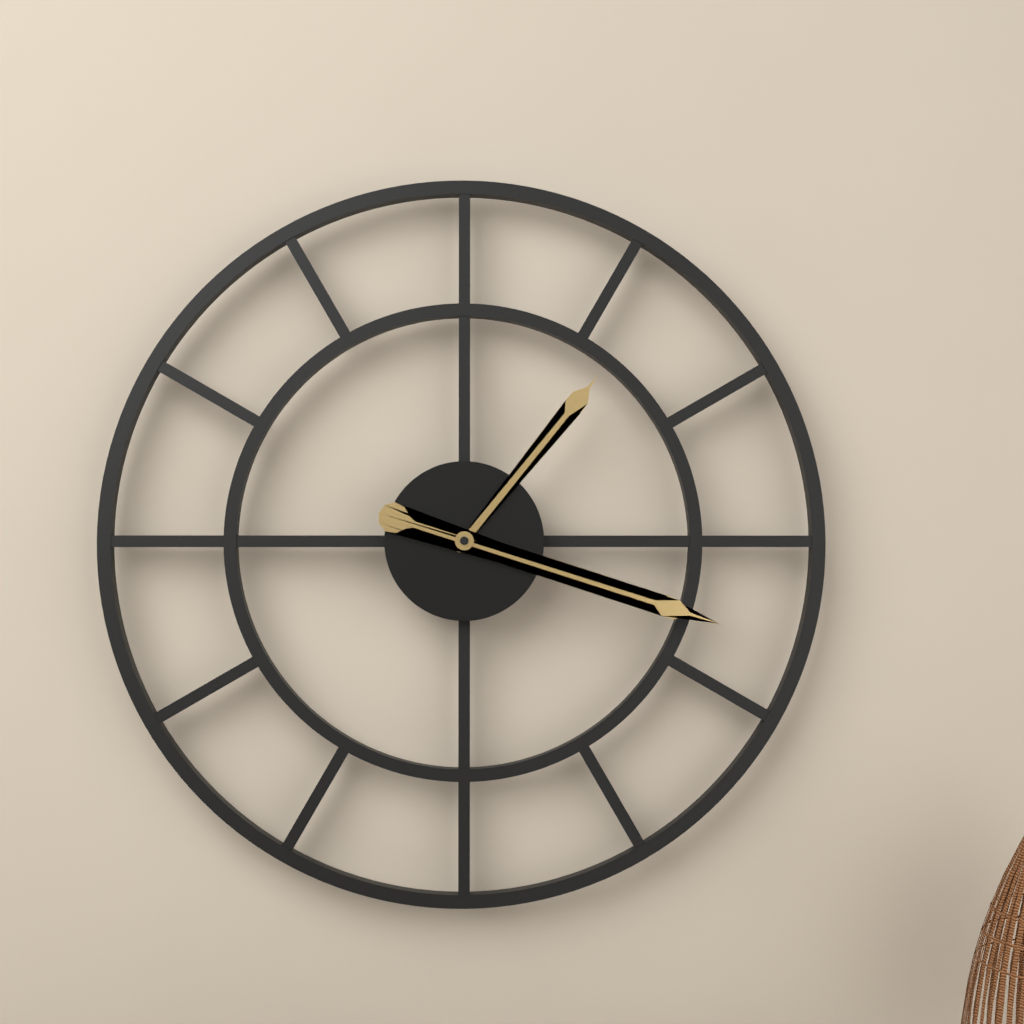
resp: 1h18
